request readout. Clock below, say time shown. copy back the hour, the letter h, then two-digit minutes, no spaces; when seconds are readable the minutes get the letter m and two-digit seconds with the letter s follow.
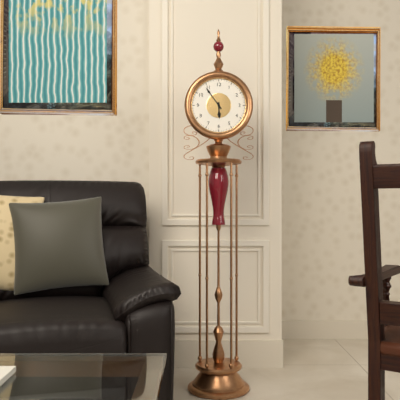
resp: 5h54
